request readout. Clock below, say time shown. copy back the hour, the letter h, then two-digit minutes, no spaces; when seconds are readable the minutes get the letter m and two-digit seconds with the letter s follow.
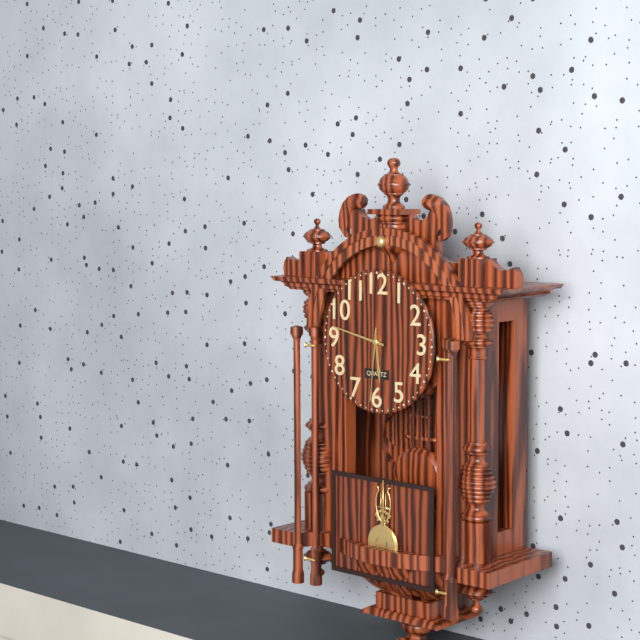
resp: 5h47m31s
